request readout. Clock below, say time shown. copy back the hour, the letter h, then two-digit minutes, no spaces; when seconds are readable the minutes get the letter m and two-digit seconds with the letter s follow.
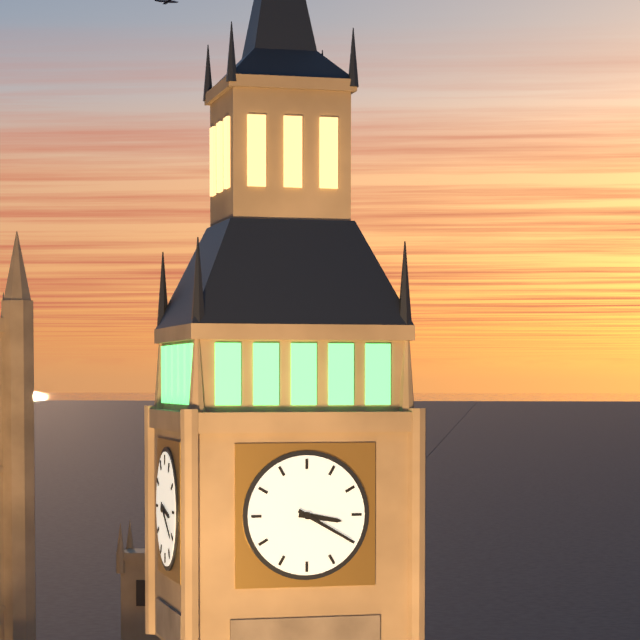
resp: 3h20
